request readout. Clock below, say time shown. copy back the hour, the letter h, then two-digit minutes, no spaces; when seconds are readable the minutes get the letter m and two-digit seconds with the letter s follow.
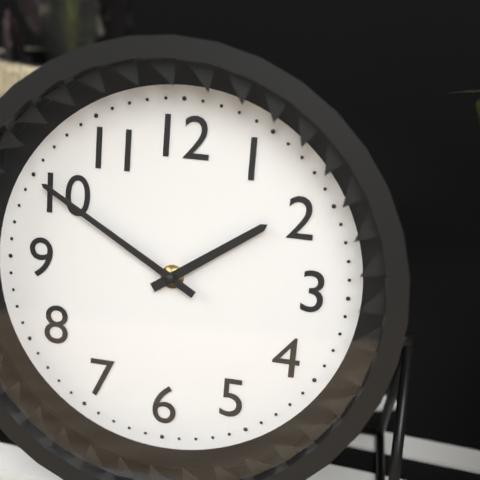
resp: 1h50
